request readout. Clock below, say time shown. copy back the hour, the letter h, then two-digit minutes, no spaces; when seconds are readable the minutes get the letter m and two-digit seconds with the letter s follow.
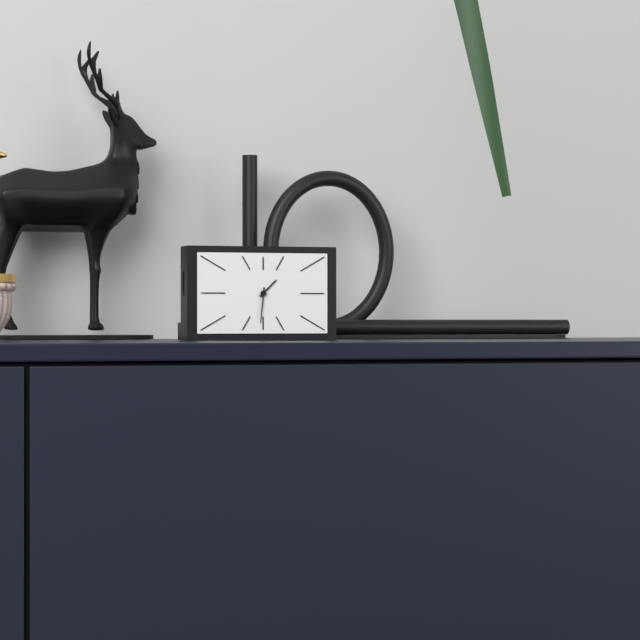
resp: 1h31
